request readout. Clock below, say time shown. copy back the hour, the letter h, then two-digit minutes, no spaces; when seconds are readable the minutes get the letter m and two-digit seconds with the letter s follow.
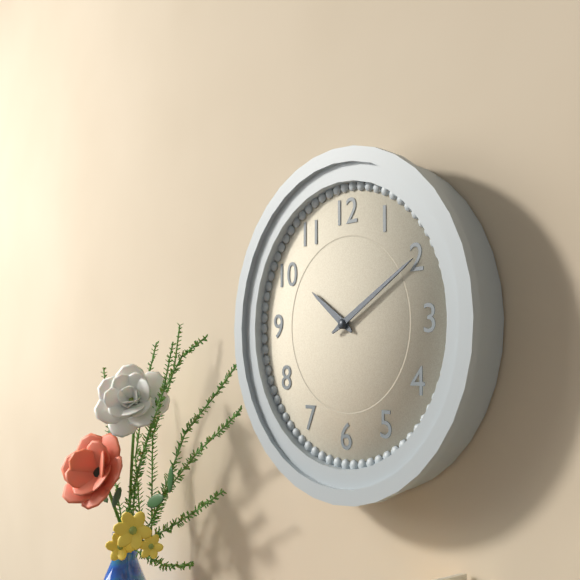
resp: 10h10
